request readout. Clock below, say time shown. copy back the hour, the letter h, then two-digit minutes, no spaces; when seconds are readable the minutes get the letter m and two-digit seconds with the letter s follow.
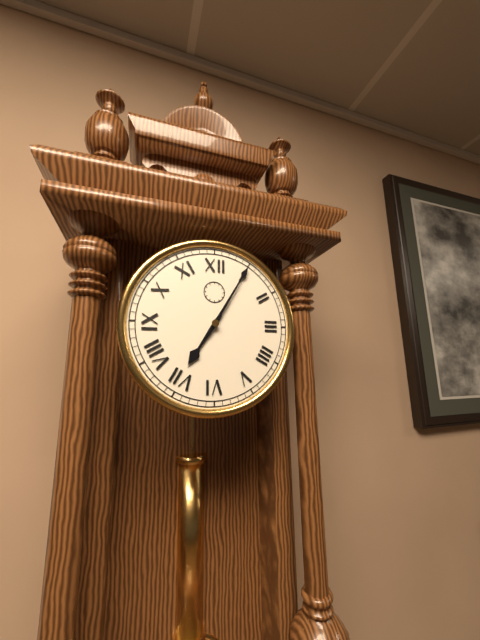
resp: 7h05
